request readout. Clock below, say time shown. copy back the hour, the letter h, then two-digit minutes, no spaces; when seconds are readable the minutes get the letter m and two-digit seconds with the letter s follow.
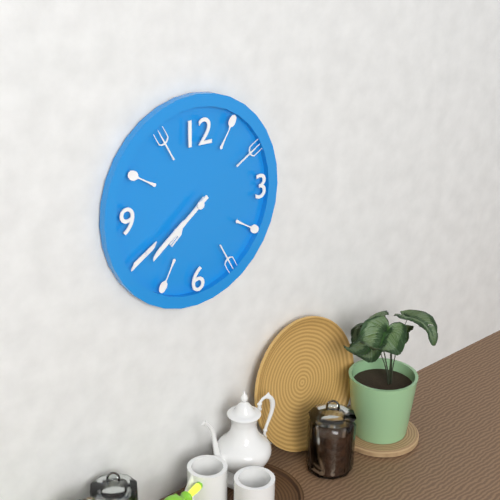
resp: 7h39
